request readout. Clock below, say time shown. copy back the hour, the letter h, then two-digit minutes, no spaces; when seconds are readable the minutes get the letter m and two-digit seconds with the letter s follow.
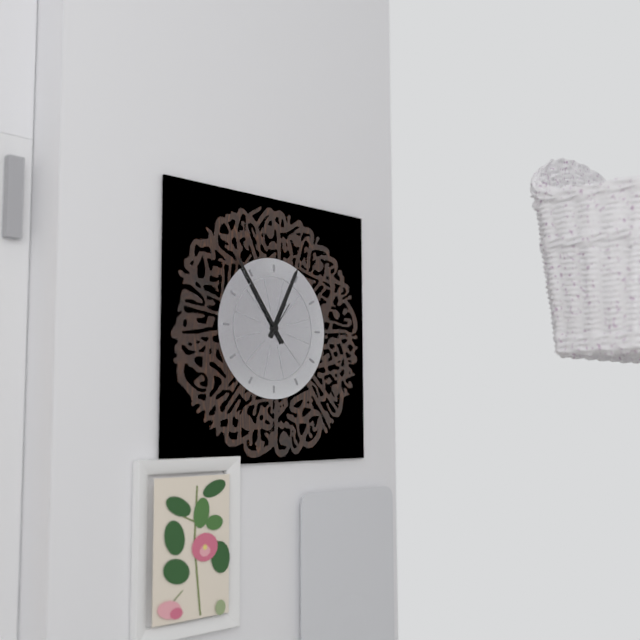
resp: 12h54
